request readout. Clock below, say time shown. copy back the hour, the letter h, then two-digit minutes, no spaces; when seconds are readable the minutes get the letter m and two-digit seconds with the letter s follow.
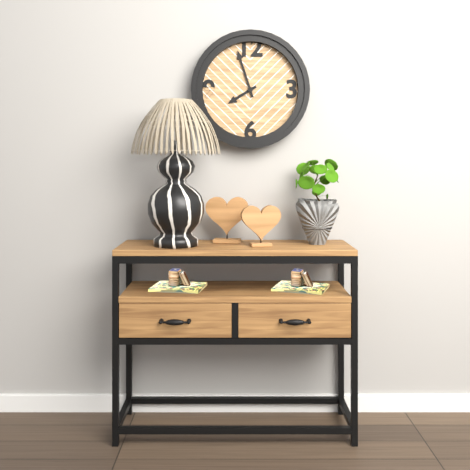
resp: 7h57
